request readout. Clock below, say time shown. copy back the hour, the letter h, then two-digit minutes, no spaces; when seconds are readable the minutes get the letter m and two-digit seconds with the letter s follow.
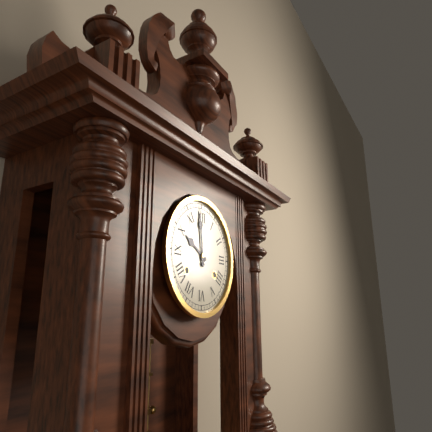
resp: 9h59
